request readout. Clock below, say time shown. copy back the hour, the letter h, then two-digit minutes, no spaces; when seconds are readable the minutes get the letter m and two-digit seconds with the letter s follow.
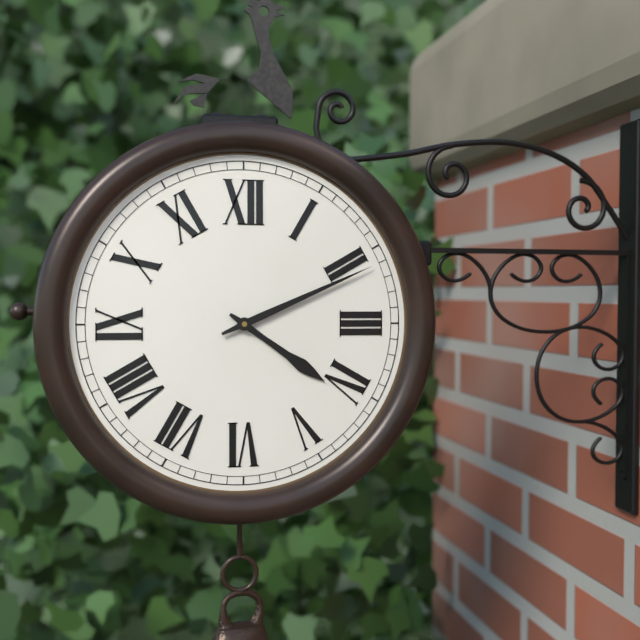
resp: 4h11
